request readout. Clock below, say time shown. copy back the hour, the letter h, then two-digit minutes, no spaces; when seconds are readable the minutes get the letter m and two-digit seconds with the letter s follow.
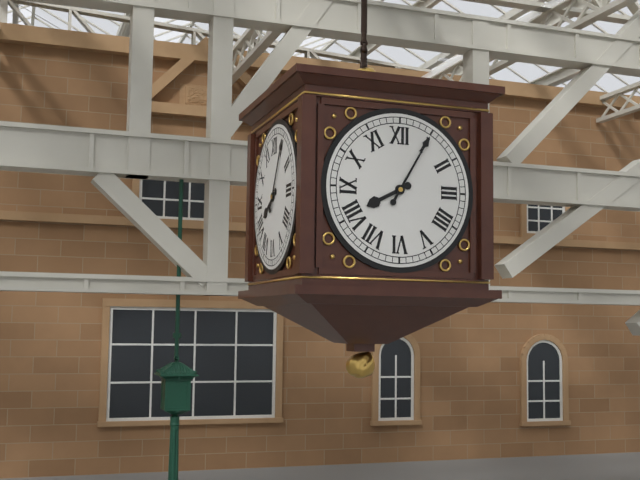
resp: 8h05
